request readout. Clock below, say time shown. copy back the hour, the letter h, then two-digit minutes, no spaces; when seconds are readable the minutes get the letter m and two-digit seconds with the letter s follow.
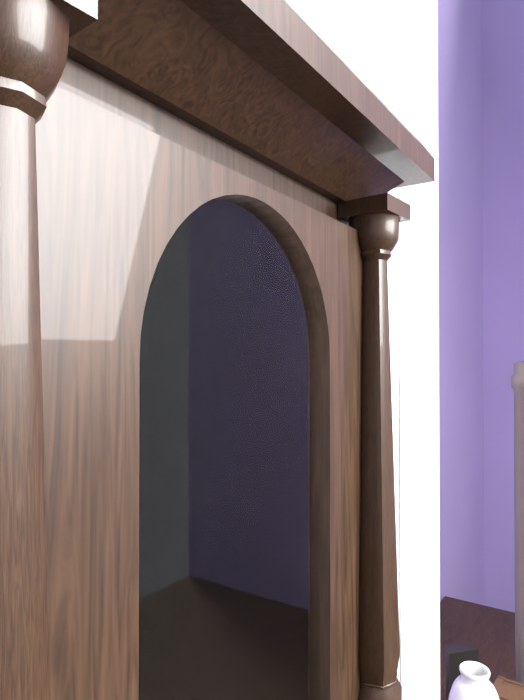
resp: 1h21
